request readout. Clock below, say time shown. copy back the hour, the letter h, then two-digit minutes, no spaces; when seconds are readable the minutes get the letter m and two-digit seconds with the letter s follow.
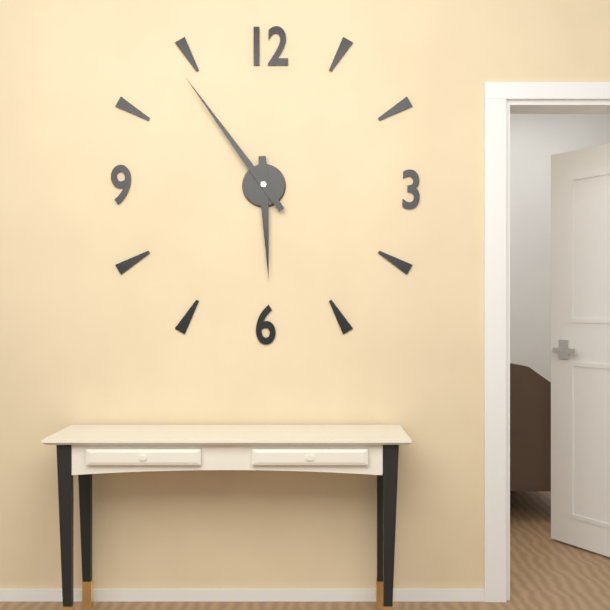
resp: 5h54
